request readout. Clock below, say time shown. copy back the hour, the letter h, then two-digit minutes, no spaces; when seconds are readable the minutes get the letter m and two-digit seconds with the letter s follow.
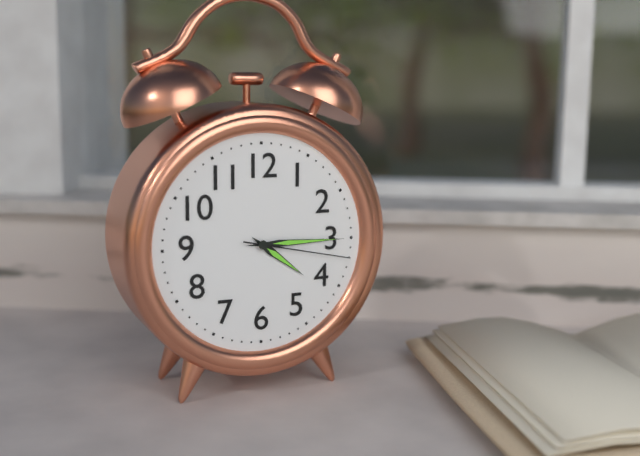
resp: 4h15m17s
